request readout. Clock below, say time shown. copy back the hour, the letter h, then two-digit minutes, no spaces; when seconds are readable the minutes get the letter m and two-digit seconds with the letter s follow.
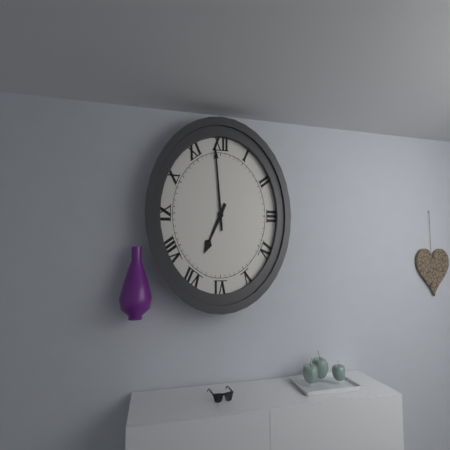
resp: 6h59
